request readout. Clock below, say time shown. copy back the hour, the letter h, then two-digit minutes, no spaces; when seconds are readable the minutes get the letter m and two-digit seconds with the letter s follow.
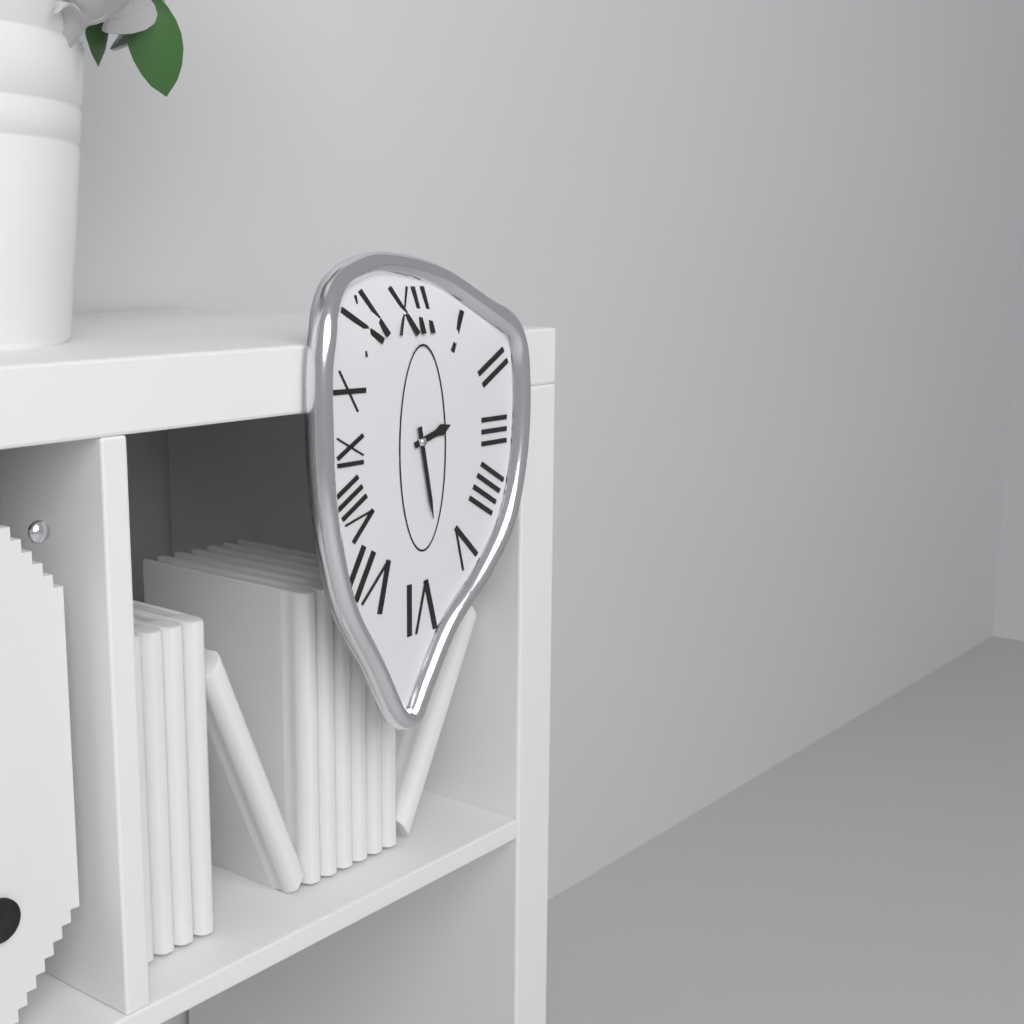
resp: 2h28
